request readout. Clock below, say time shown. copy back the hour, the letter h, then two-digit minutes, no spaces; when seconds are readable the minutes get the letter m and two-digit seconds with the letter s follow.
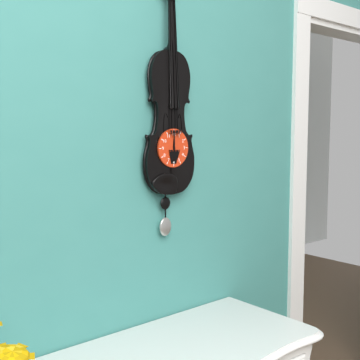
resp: 12h00
